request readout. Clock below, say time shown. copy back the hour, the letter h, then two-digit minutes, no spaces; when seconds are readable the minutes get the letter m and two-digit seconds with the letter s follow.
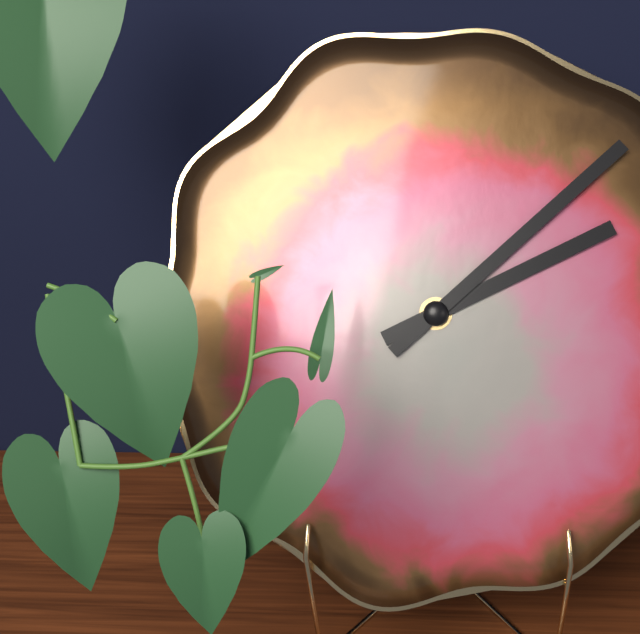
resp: 2h08
